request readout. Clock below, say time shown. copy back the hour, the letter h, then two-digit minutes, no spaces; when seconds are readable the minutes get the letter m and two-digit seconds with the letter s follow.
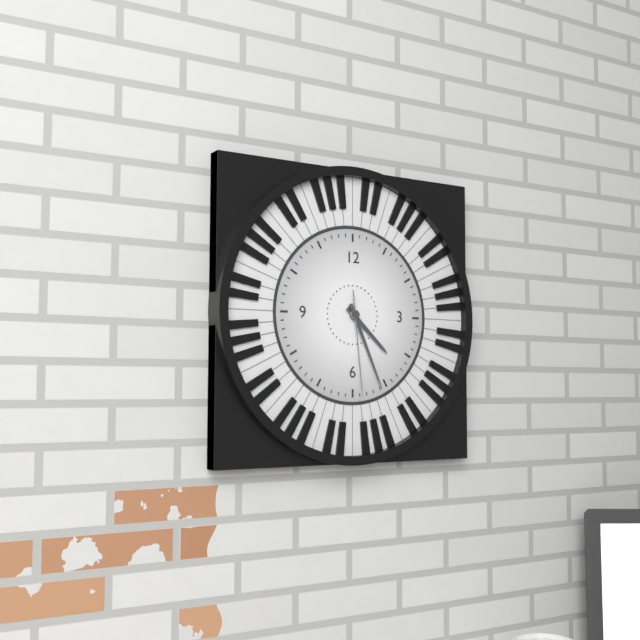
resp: 4h26m29s
